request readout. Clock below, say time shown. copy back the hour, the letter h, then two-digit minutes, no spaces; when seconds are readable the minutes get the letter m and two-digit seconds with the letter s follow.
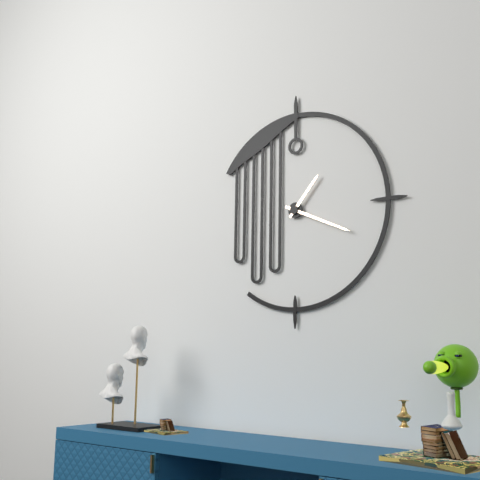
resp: 1h19
